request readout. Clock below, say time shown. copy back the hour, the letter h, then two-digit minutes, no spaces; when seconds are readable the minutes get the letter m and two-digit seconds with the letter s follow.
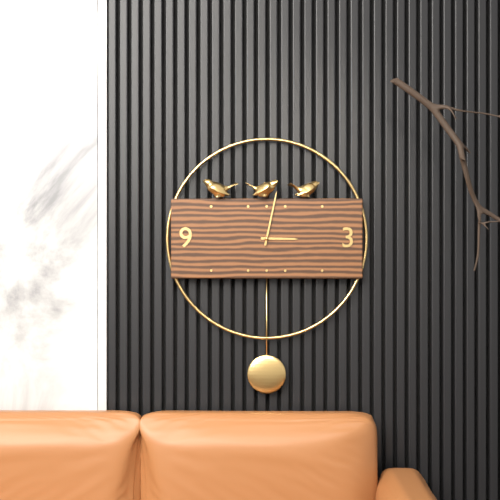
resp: 3h02
